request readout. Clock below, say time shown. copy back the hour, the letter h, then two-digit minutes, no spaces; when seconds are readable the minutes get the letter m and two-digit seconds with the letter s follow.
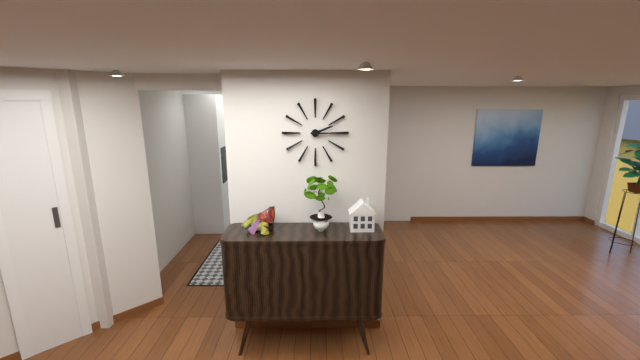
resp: 2h15
